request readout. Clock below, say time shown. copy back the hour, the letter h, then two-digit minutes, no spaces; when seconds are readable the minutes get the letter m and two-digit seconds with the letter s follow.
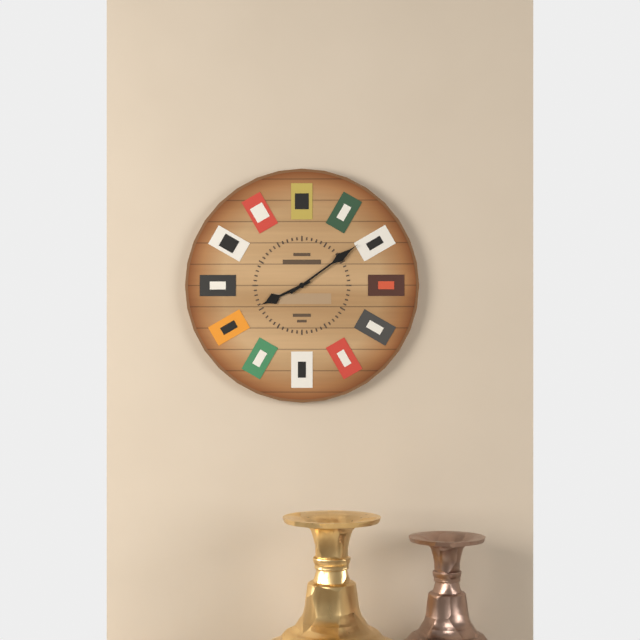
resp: 8h09
